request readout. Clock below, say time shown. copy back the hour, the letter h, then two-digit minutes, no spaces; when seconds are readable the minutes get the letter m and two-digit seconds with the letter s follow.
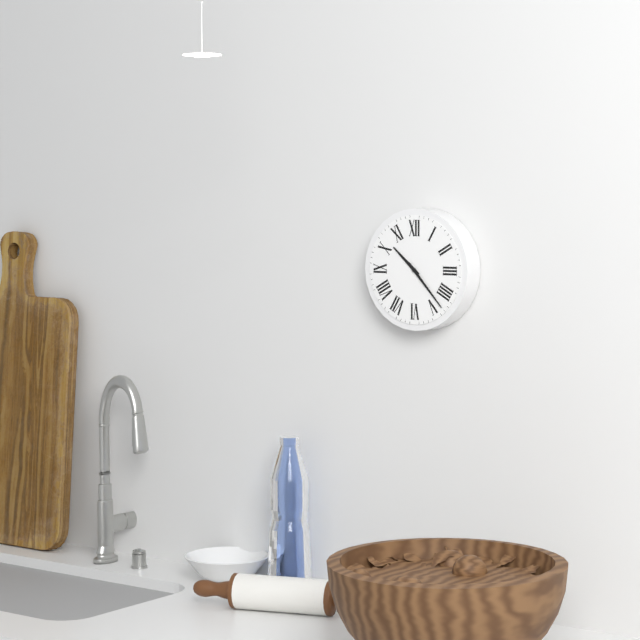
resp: 10h23
